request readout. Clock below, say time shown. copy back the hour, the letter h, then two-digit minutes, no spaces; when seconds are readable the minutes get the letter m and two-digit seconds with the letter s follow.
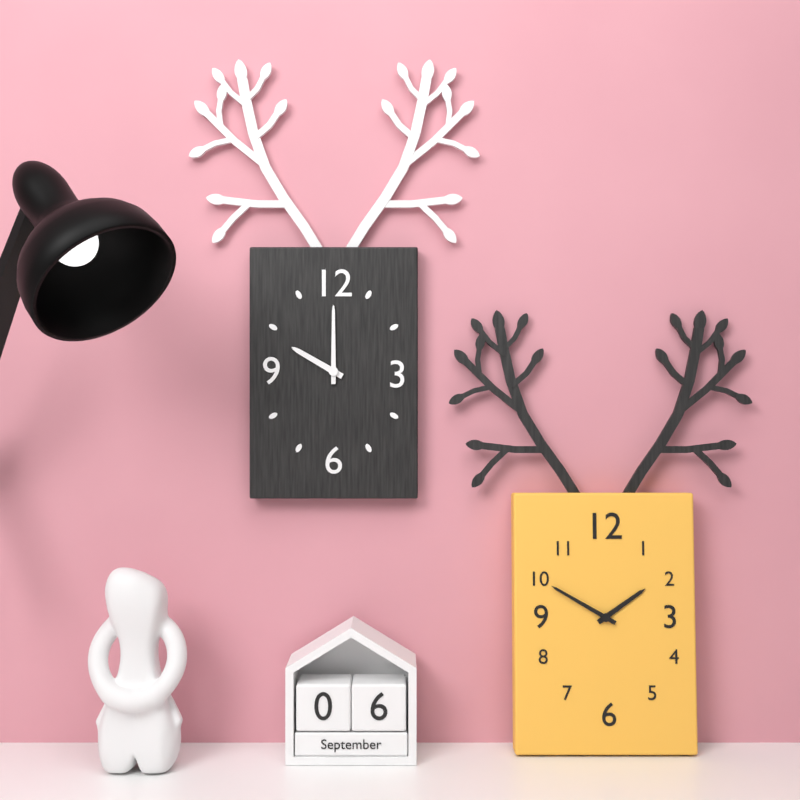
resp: 10h00
